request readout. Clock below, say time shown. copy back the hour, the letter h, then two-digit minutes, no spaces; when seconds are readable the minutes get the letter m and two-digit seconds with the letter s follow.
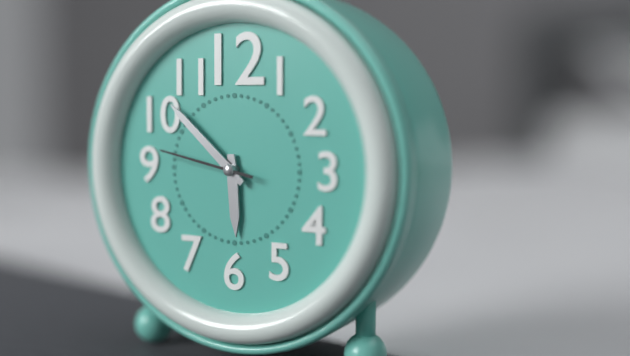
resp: 5h52m47s
